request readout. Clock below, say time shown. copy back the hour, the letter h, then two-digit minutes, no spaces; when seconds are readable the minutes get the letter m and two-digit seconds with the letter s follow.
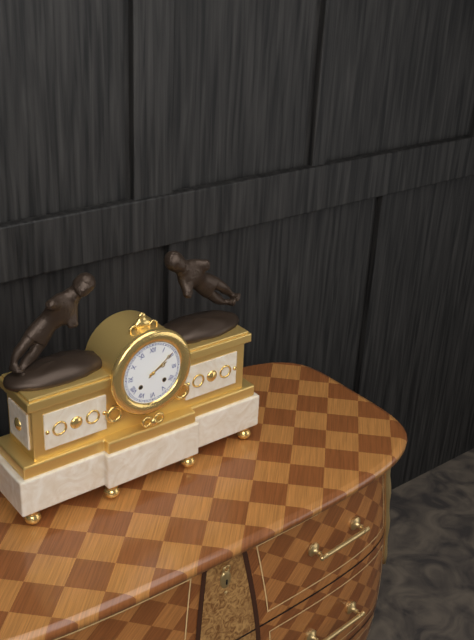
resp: 2h09
